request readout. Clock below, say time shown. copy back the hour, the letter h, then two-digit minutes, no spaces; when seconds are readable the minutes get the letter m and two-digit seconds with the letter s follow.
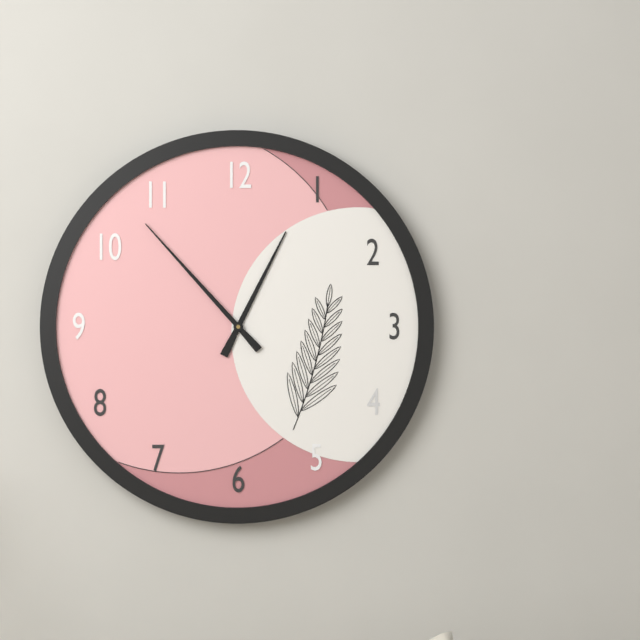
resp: 12h53
